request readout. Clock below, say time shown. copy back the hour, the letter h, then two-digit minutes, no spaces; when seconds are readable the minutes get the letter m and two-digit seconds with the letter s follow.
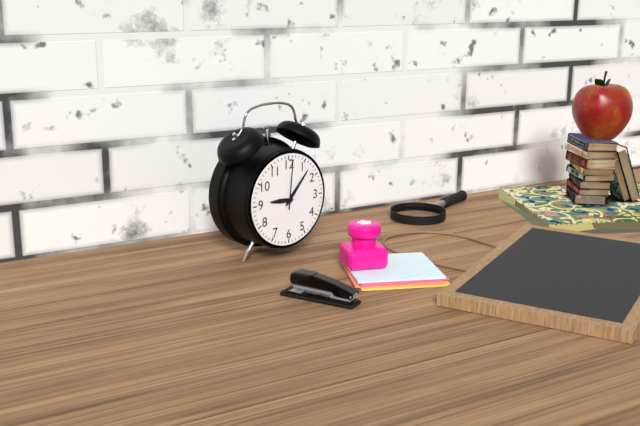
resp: 9h07m01s
